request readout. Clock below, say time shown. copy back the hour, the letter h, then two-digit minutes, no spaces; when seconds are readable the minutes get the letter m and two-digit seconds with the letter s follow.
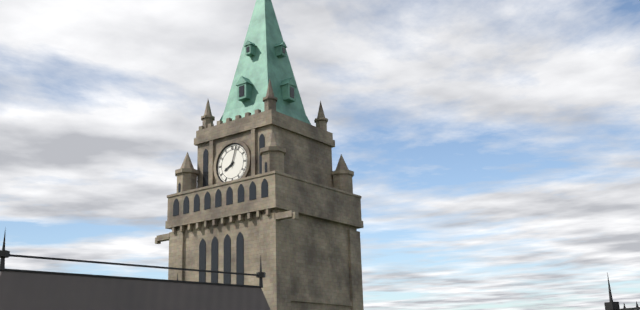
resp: 8h03
